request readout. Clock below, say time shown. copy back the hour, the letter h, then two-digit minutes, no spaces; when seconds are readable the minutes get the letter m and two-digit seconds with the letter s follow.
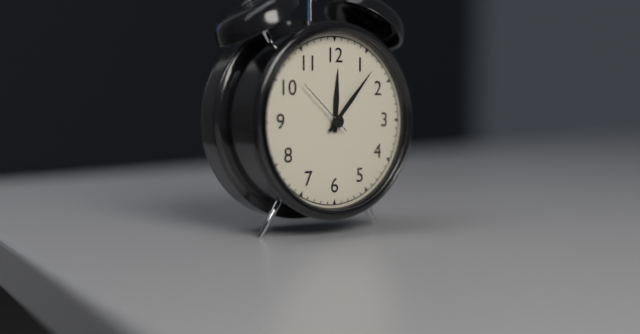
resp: 12h07m52s
